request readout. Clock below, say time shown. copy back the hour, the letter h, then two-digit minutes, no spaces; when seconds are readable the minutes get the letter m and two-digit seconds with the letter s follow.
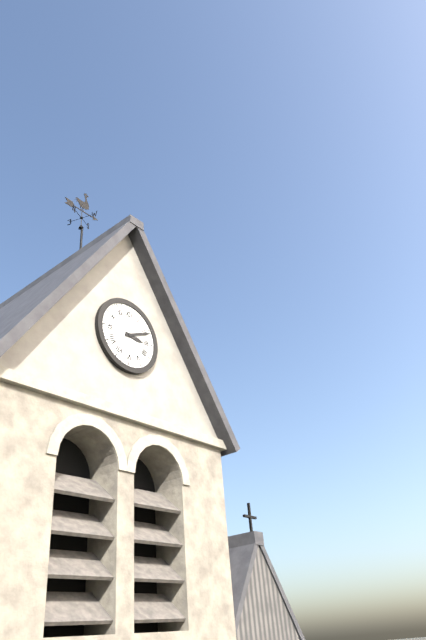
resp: 3h11
